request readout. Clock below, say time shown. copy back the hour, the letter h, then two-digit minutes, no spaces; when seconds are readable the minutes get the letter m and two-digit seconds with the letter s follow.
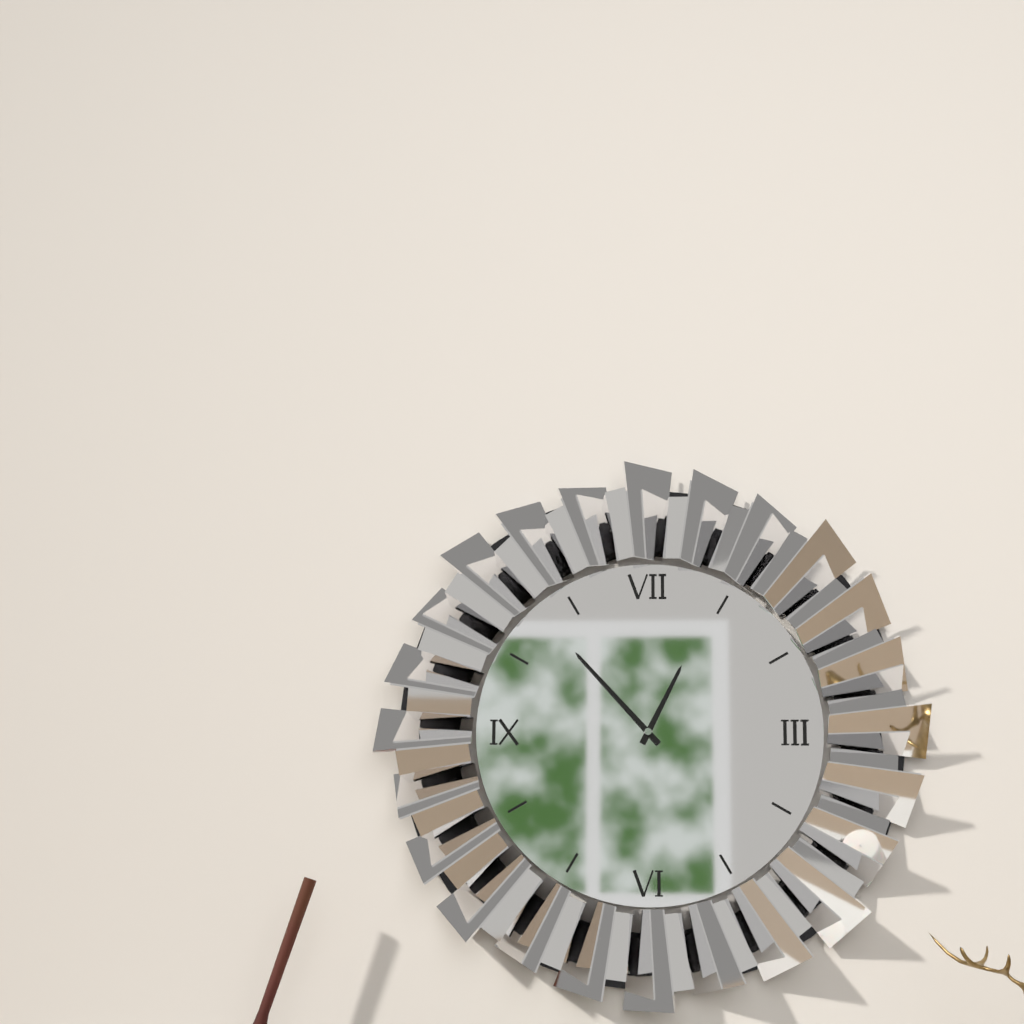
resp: 12h53
